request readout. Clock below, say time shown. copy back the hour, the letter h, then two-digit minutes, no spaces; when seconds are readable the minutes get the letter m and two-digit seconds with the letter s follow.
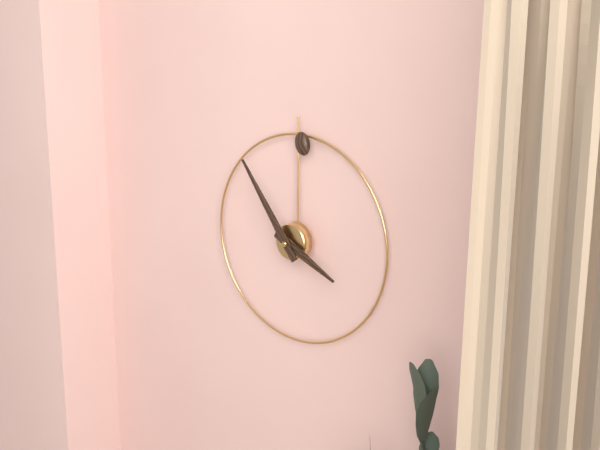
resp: 3h54
